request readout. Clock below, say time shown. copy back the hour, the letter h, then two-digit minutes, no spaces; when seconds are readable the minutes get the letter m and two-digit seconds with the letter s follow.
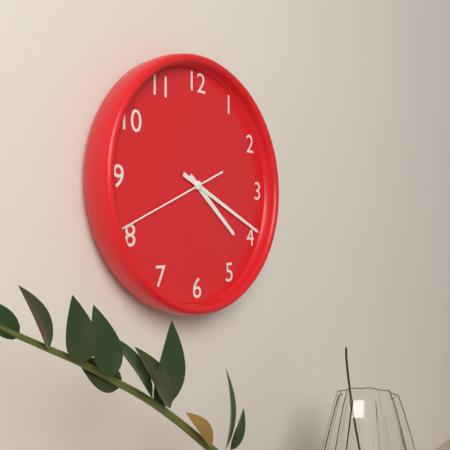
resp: 4h19m41s
